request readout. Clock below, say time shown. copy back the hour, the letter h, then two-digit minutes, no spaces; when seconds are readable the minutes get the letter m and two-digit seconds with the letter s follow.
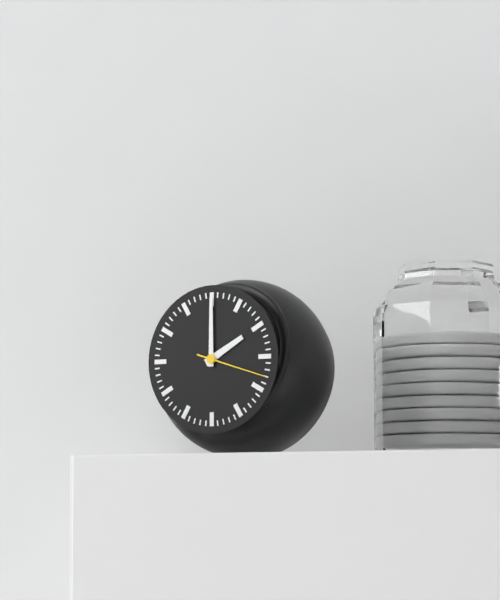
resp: 2h00m18s
